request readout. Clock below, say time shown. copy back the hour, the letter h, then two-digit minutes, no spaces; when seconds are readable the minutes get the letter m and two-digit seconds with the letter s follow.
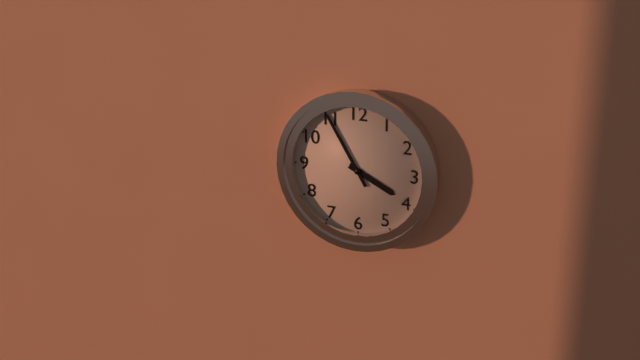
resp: 3h55
